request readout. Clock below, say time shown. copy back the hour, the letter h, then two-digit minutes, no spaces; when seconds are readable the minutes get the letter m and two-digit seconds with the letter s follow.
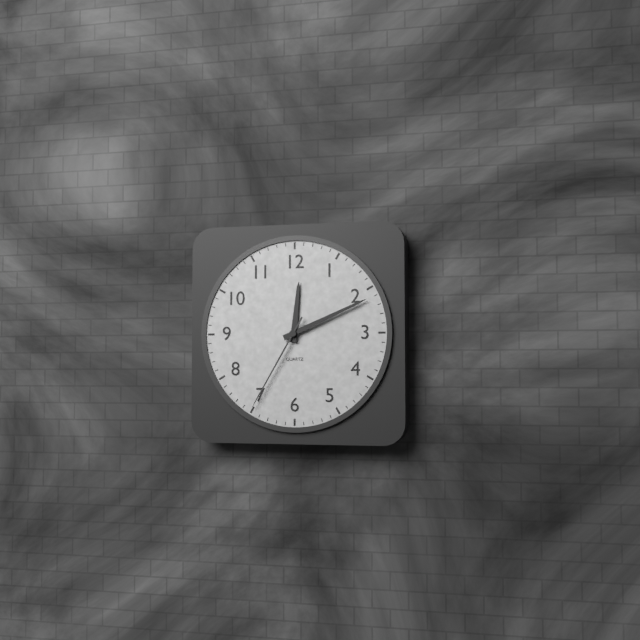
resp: 12h11m35s
